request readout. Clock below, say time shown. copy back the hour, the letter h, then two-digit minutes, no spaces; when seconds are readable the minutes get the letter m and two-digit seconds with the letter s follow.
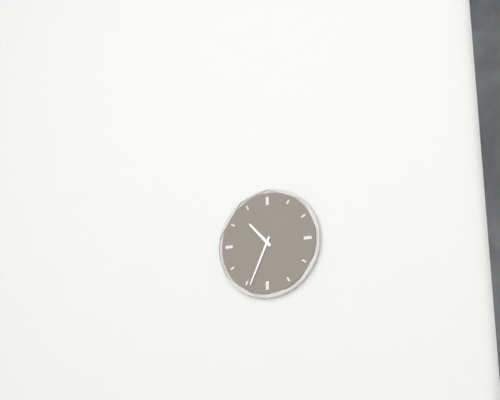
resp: 10h34
